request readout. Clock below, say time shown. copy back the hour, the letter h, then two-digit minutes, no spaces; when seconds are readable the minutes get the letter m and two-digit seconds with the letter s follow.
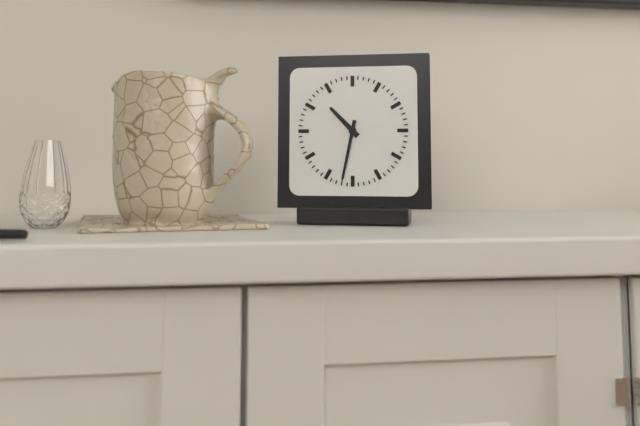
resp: 10h32
